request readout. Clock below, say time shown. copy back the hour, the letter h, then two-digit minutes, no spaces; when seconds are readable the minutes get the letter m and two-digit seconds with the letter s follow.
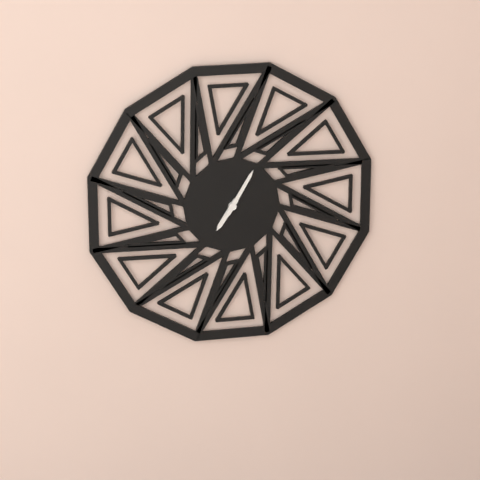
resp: 7h05
